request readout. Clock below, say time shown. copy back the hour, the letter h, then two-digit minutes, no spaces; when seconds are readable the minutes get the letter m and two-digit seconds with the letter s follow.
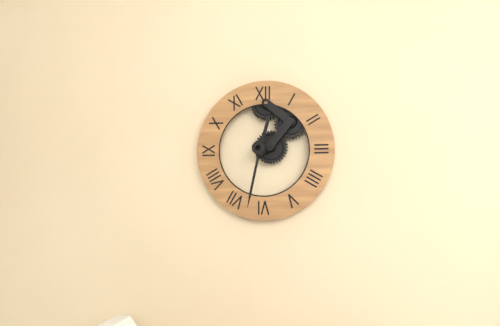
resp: 12h32
